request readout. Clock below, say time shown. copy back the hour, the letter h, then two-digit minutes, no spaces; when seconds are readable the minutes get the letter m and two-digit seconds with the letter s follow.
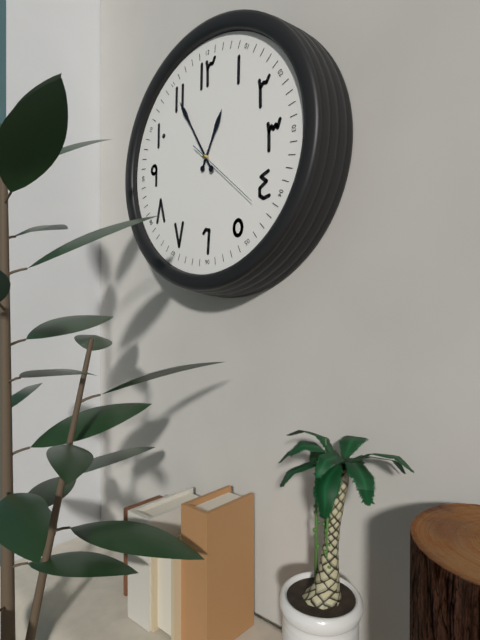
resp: 12h55m22s
